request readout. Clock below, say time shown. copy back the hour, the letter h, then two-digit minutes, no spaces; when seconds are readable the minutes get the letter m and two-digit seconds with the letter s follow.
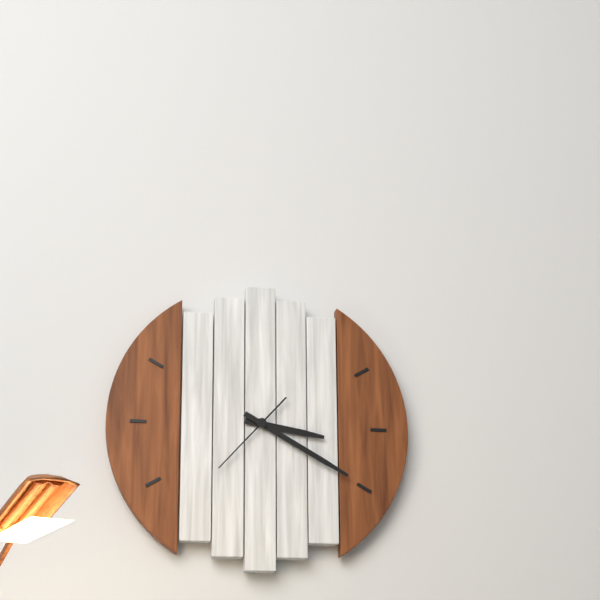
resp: 3h20m37s
